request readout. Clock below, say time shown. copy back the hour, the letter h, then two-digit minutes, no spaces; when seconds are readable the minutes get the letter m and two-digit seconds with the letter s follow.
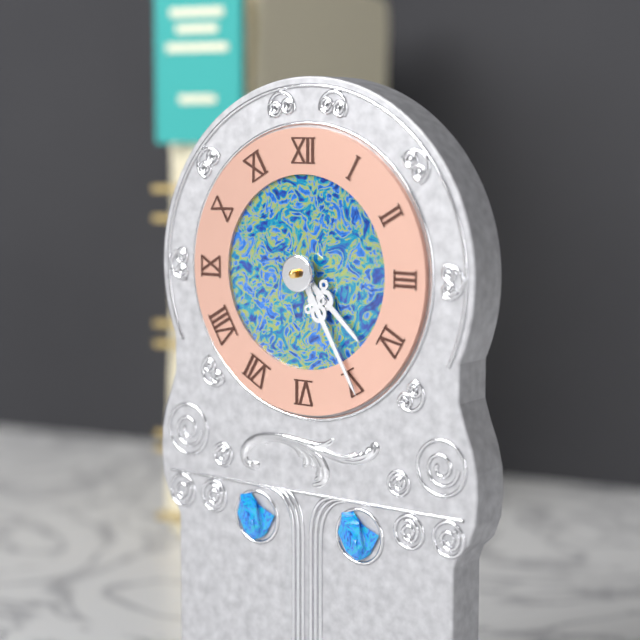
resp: 4h25
